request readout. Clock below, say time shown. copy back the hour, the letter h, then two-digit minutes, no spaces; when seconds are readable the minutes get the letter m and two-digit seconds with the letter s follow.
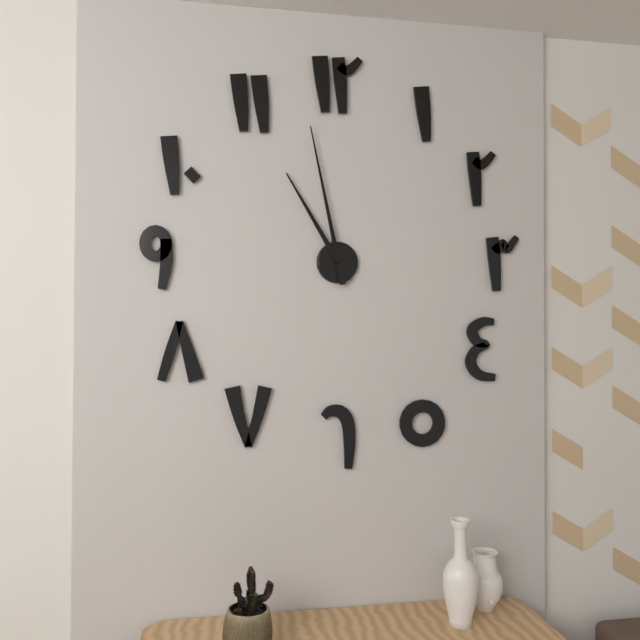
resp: 10h58
